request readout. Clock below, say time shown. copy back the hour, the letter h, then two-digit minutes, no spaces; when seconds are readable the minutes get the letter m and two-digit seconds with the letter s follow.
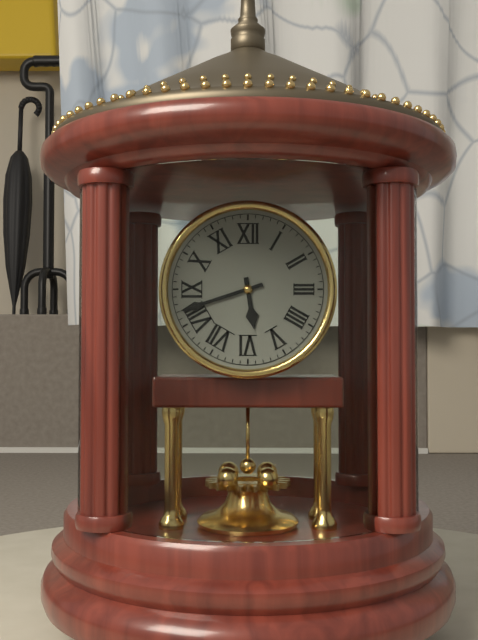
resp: 5h42
